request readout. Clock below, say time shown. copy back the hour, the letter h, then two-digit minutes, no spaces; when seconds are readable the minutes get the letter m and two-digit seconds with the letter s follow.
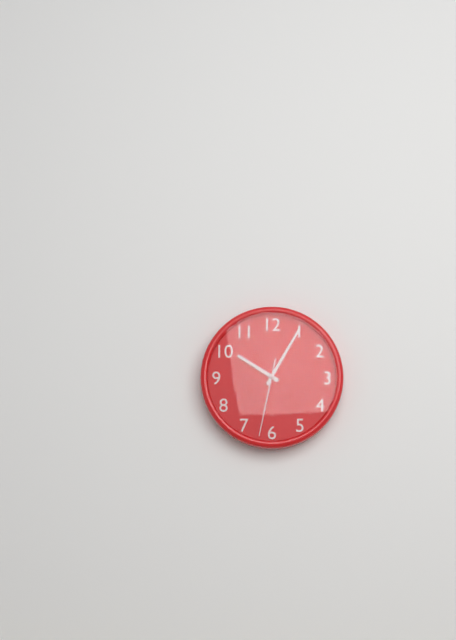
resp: 10h05m32s
